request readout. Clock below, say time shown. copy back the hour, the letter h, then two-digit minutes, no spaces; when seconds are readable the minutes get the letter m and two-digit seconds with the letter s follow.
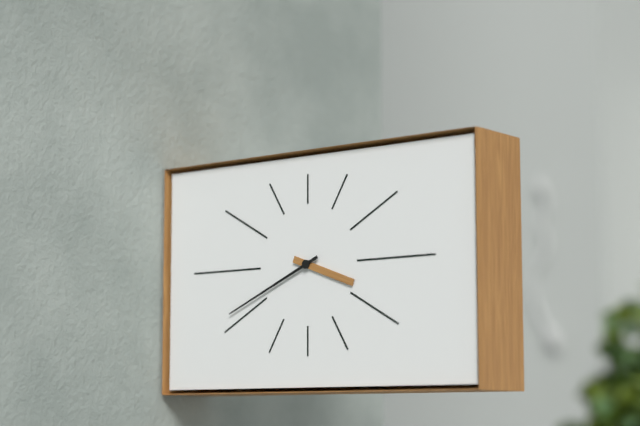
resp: 3h41
